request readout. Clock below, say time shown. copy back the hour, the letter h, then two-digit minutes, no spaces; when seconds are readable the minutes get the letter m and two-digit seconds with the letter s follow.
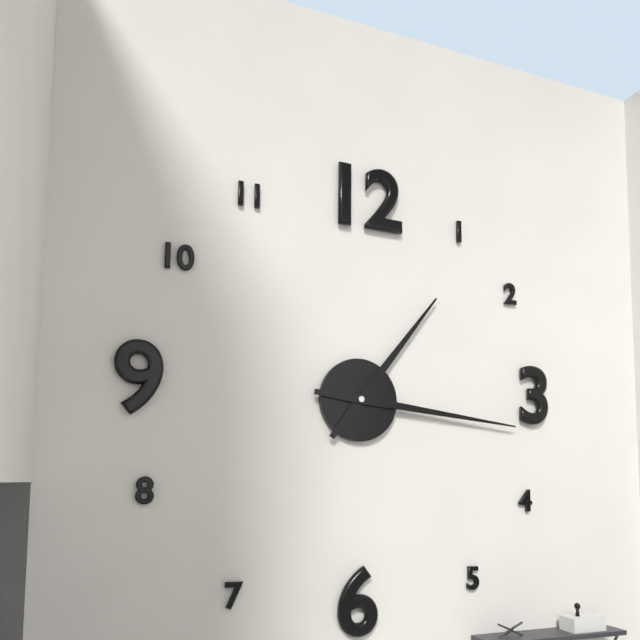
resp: 1h16
